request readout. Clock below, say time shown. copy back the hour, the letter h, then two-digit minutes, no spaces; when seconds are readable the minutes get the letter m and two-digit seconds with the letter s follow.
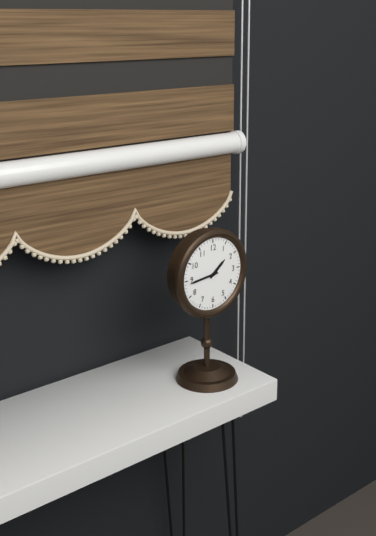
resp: 1h44
